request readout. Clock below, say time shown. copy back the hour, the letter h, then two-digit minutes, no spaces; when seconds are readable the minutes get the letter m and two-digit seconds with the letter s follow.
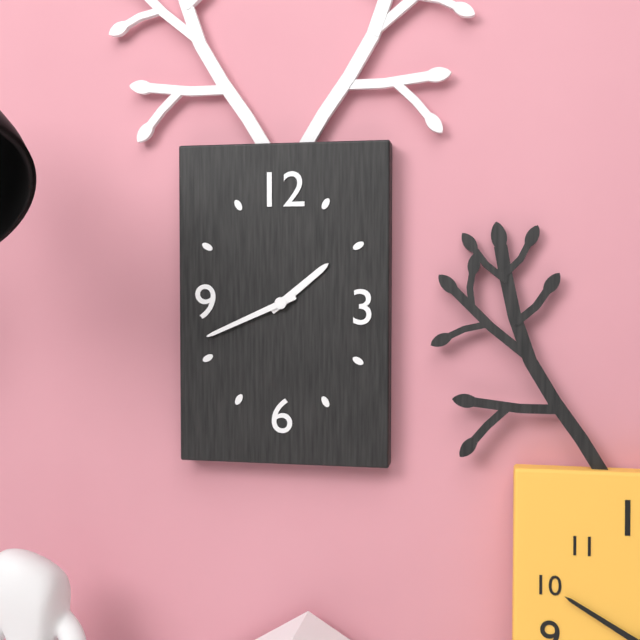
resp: 1h41
